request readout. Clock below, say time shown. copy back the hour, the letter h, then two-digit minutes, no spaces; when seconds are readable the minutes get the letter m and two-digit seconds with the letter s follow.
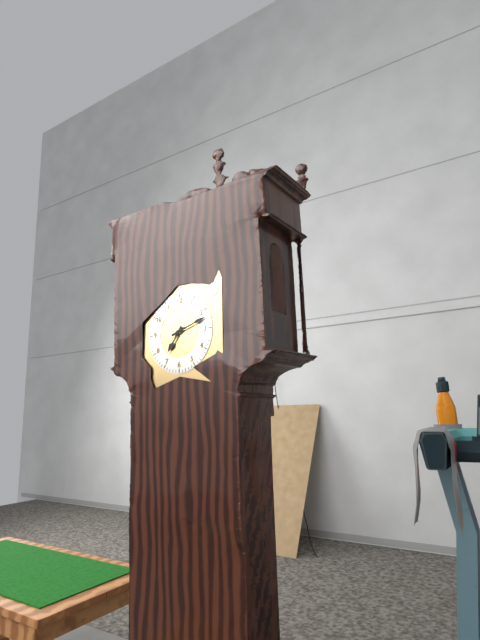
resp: 7h12
